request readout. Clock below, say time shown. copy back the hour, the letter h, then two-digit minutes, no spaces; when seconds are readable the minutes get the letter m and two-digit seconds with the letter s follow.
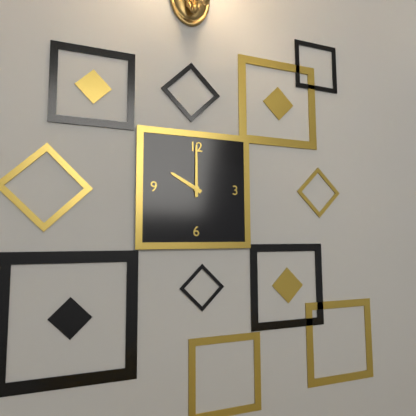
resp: 10h00
